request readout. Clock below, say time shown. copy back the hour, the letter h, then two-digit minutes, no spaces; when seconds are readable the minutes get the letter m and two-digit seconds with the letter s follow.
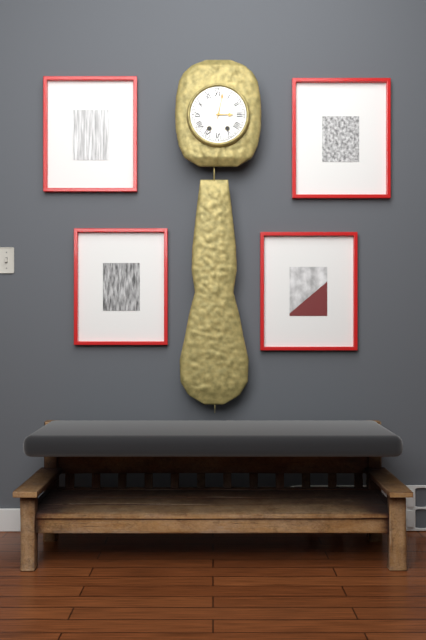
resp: 3h02
